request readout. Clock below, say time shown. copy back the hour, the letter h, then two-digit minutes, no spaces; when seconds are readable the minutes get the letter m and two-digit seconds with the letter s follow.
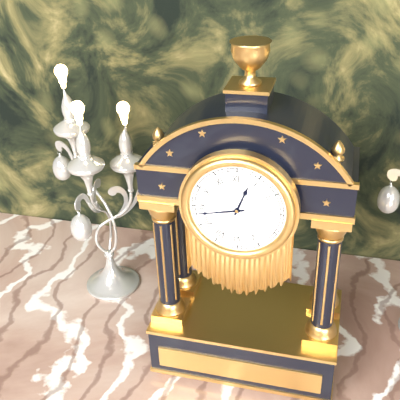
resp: 12h43
